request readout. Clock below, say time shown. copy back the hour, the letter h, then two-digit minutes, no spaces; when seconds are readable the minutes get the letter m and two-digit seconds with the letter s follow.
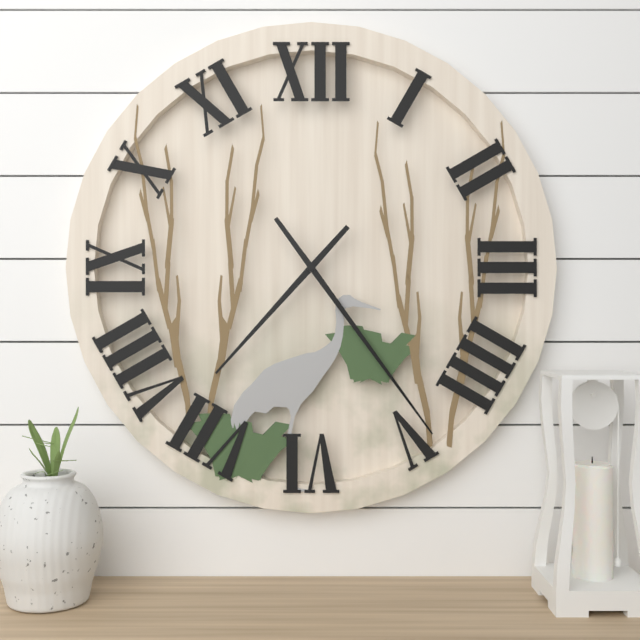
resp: 7h24
